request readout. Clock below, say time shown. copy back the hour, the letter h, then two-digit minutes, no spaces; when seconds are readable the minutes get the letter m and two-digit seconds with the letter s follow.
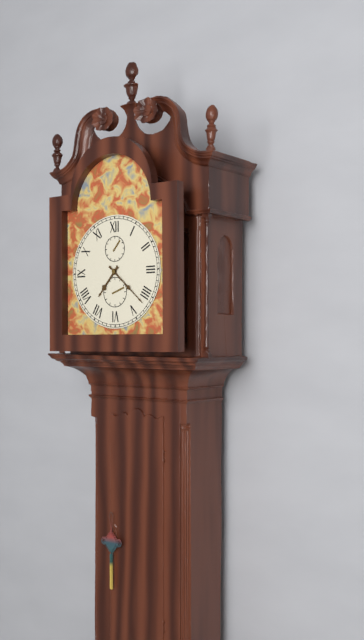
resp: 7h22
